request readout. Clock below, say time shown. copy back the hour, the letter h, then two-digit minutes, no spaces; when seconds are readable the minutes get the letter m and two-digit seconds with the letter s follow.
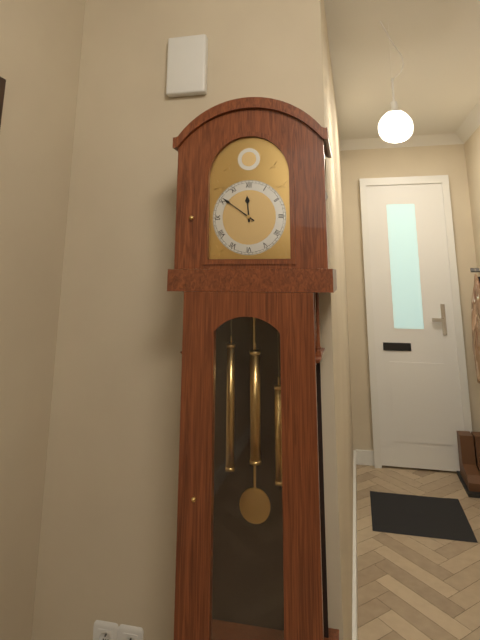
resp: 11h51
